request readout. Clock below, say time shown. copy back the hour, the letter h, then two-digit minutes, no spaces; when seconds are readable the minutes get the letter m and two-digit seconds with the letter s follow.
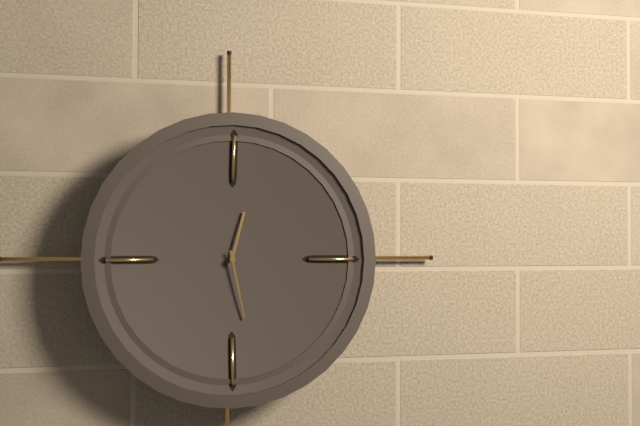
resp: 12h28
